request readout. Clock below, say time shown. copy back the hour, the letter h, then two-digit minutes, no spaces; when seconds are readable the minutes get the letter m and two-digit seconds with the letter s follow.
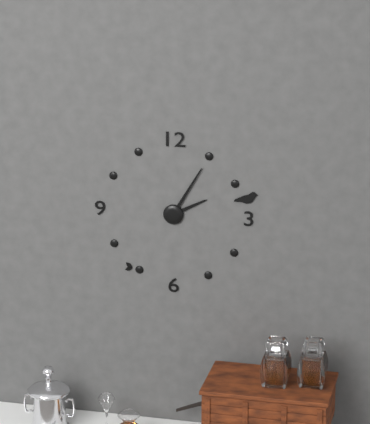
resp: 2h05
